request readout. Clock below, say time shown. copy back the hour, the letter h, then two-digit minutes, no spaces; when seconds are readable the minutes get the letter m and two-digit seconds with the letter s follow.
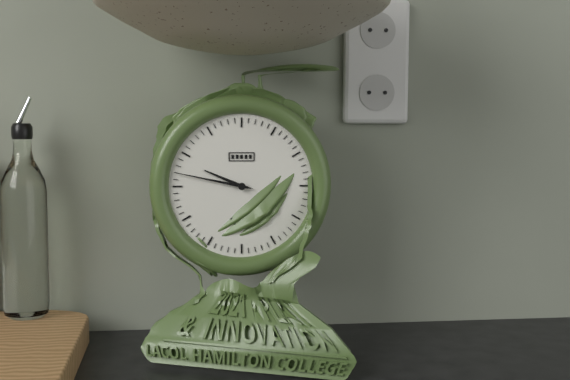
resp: 9h47
